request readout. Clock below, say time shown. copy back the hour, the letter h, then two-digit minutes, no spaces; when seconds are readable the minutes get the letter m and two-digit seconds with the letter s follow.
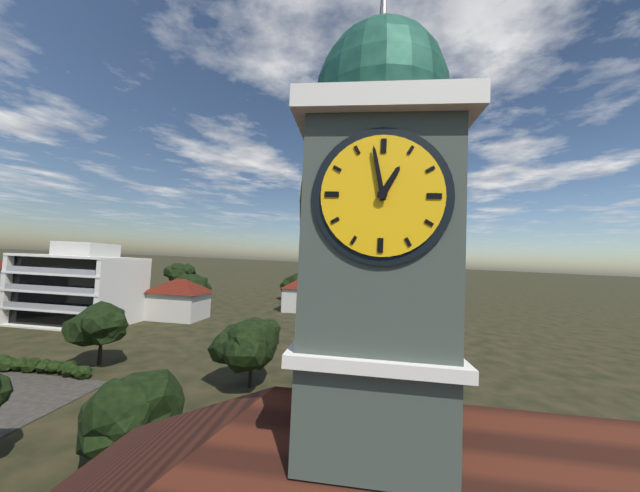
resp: 12h58
